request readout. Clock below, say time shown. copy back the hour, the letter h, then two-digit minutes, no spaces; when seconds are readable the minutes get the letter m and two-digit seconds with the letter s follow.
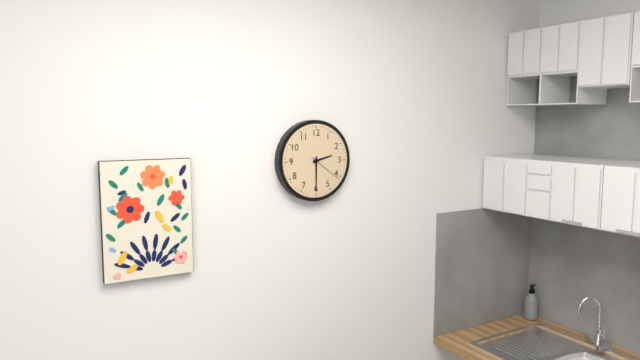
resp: 2h30
